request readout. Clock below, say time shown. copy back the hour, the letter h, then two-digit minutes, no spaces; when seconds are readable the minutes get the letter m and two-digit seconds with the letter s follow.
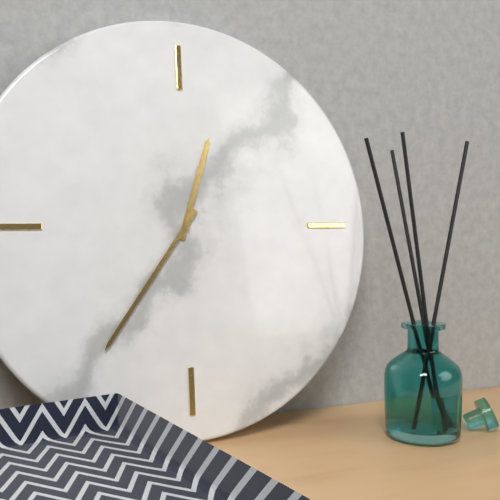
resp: 12h36
